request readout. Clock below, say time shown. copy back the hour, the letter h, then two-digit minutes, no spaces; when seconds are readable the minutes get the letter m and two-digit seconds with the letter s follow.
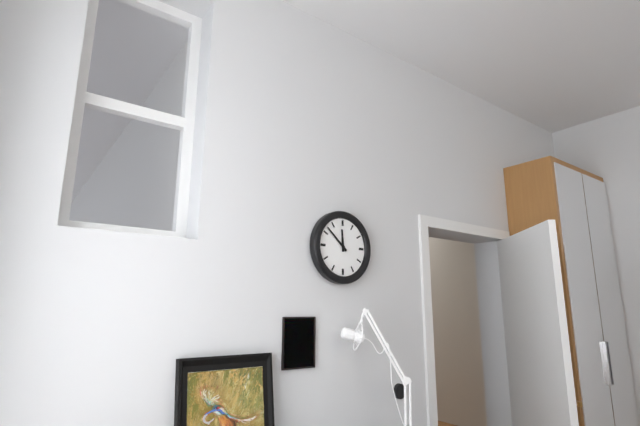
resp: 11h52
